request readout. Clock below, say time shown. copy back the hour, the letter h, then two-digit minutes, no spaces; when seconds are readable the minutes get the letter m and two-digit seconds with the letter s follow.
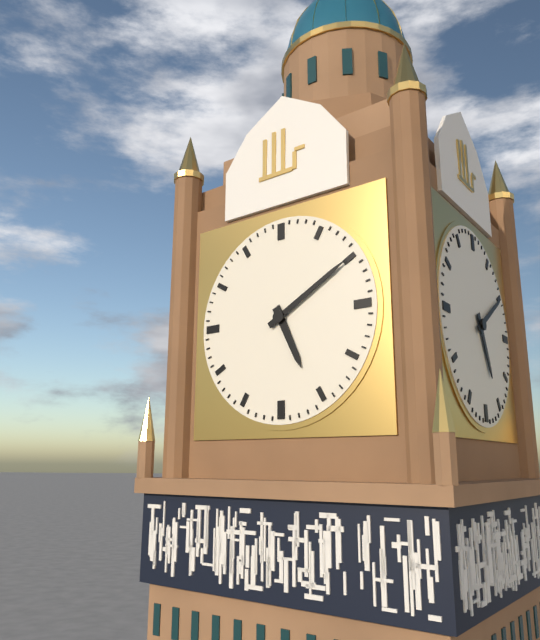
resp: 5h10
